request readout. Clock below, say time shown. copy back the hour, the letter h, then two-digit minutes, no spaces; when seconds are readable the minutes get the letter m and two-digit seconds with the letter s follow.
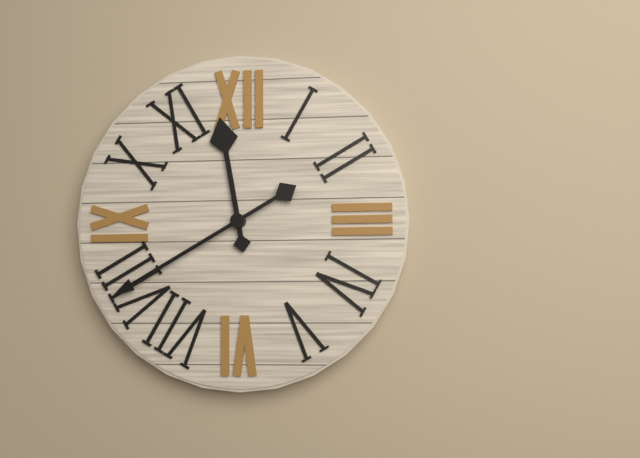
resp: 11h40
